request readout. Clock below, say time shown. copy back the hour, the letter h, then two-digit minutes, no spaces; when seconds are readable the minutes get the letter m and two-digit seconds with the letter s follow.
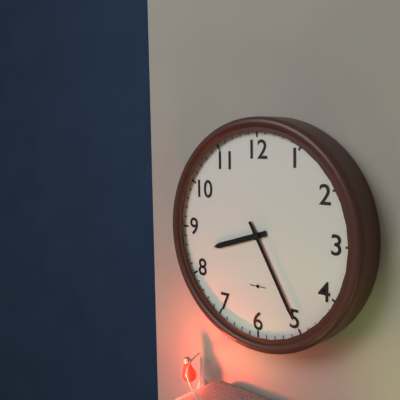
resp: 8h25
